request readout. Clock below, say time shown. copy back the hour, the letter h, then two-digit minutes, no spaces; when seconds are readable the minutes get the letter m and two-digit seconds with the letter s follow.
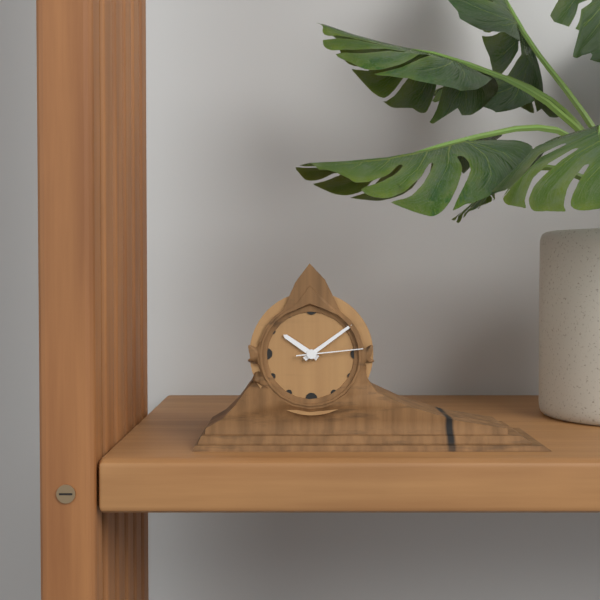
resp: 10h09m14s
